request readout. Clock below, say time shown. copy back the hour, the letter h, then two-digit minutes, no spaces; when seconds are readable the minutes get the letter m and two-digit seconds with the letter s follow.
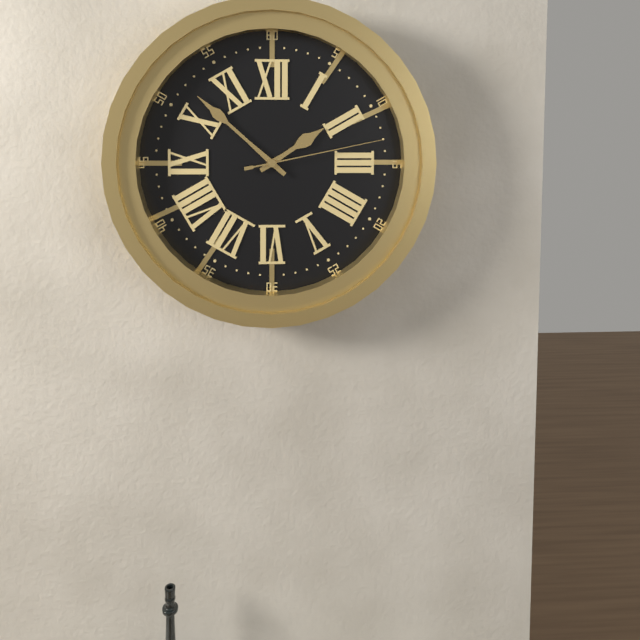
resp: 1h52m13s
